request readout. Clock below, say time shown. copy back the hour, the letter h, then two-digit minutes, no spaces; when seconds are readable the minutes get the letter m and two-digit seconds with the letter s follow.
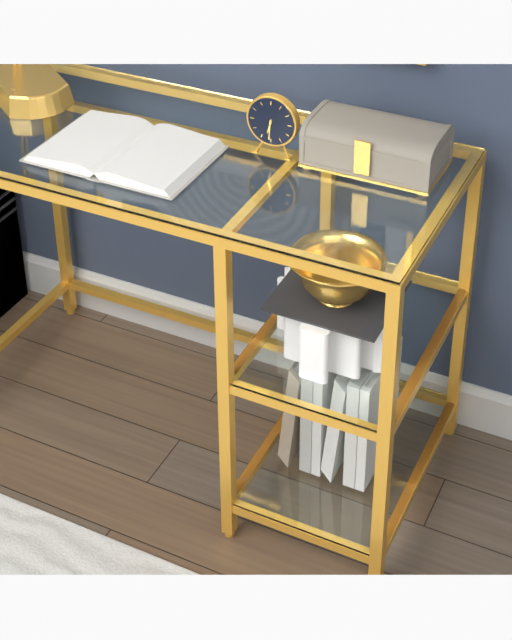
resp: 6h31
